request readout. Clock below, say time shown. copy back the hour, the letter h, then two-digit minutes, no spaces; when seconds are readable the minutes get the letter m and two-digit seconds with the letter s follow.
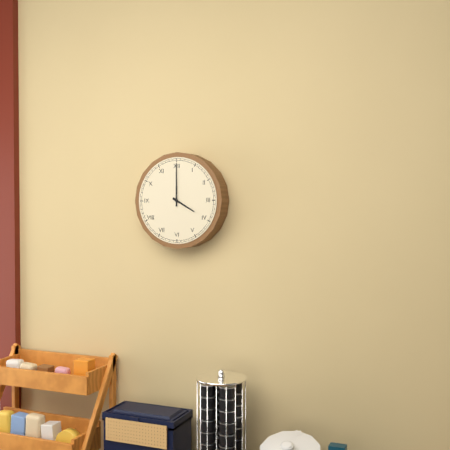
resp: 4h00
